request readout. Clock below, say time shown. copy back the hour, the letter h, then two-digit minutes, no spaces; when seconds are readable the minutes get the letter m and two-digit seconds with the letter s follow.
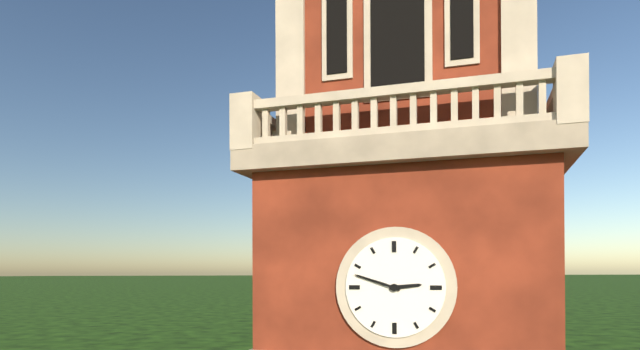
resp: 2h48
